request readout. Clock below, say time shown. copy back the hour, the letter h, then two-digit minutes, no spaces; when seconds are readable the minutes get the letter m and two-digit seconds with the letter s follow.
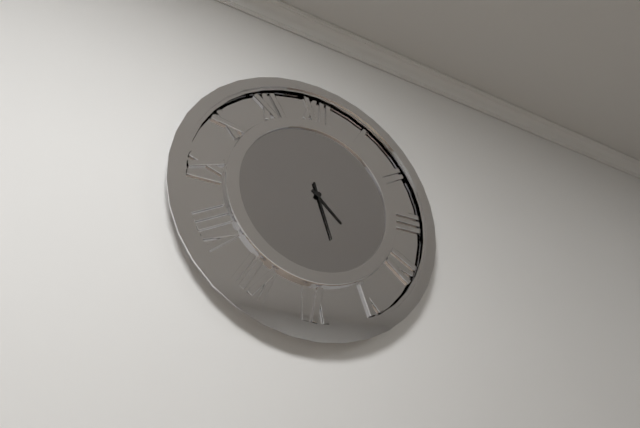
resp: 4h27
